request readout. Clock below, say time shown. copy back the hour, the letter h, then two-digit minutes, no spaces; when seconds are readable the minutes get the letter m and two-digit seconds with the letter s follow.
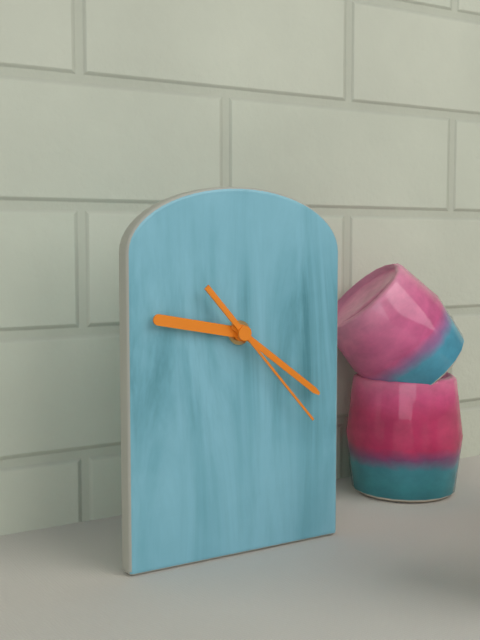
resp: 9h21m23s
